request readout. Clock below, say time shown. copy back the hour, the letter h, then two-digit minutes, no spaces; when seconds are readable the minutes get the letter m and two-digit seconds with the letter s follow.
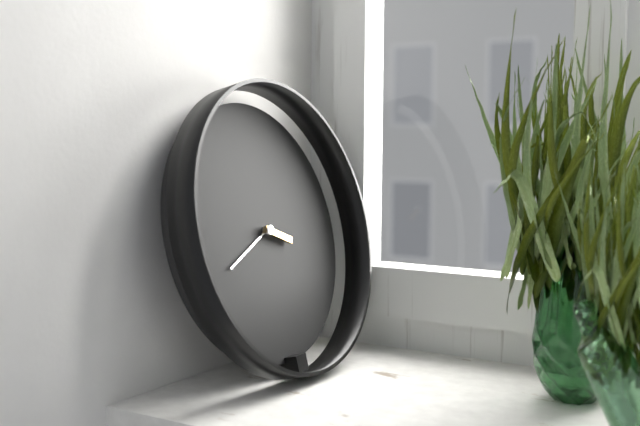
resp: 3h41
